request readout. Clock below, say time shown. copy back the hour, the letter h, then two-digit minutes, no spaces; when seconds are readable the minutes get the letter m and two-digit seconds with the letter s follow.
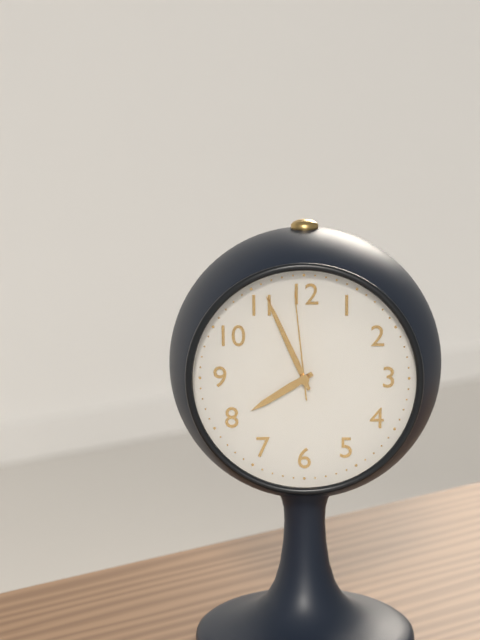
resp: 7h56m59s
